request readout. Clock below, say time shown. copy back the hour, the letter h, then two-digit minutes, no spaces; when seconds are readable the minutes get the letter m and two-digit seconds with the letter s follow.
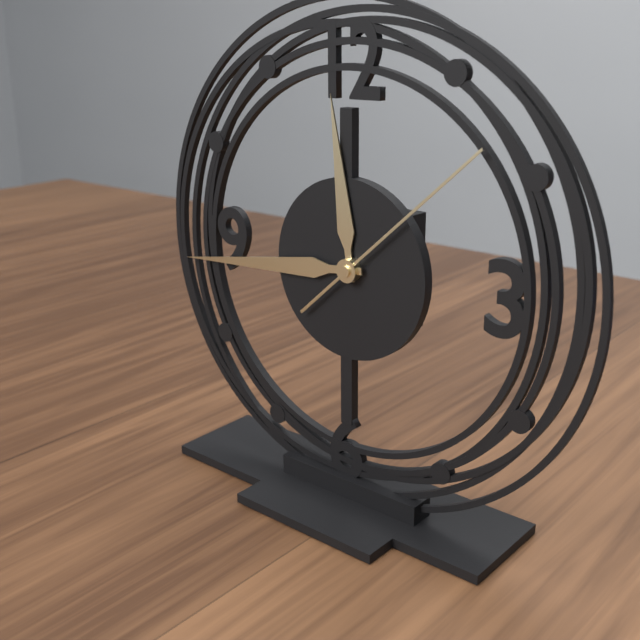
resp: 11h44m08s
